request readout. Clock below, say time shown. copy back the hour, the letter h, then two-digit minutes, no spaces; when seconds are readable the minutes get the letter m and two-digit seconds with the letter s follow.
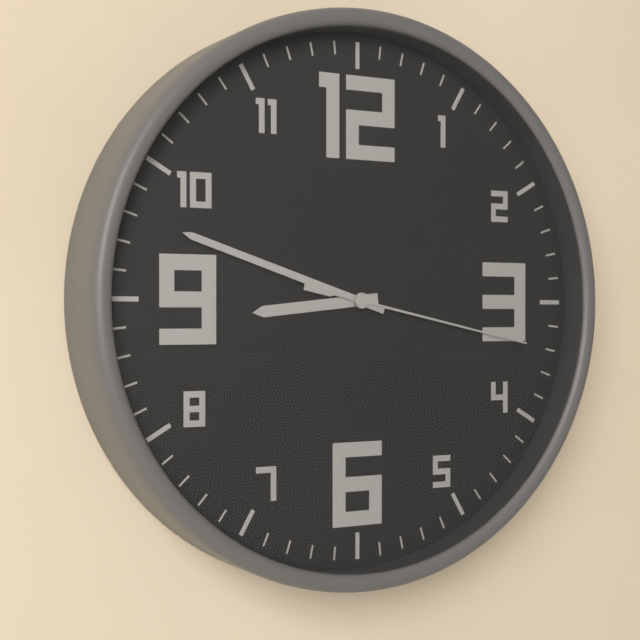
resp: 8h48m17s
